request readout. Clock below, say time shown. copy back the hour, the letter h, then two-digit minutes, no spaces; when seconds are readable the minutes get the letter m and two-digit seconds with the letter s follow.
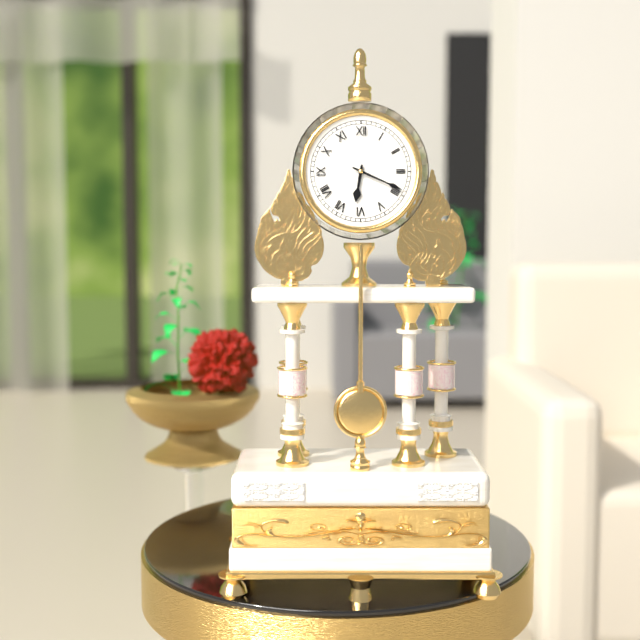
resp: 6h19
